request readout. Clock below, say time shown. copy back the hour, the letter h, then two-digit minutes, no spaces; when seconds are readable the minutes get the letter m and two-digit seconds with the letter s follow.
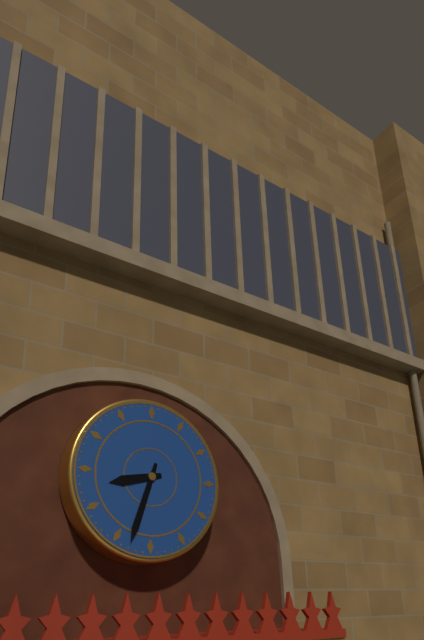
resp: 8h33
